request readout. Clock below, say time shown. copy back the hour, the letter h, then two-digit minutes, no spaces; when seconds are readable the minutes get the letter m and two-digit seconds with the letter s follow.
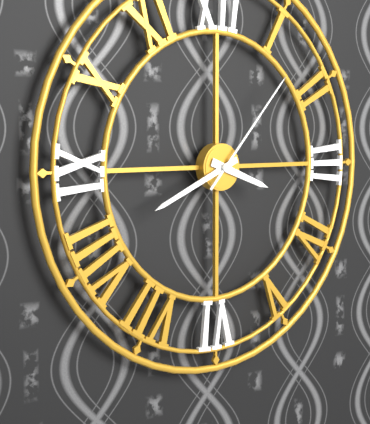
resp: 3h41m07s
